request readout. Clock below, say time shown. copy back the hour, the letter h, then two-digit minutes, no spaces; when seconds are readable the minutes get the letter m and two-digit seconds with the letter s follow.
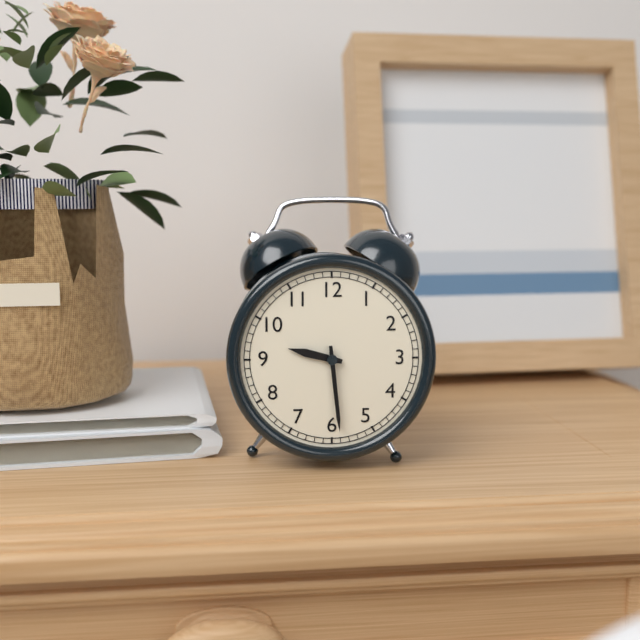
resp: 9h29
